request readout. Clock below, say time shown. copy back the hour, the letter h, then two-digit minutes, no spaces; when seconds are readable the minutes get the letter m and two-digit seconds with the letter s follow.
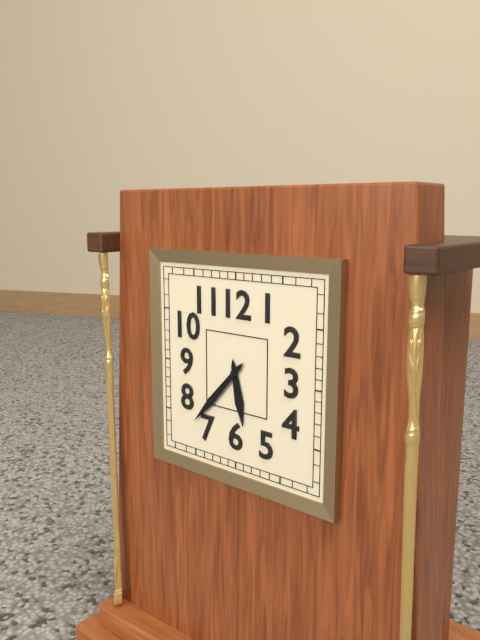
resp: 5h37
